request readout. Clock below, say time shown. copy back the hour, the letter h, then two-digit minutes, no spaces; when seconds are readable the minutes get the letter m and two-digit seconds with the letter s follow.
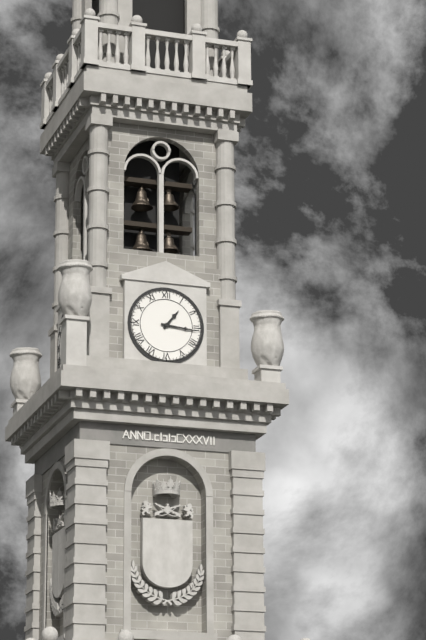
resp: 1h16
